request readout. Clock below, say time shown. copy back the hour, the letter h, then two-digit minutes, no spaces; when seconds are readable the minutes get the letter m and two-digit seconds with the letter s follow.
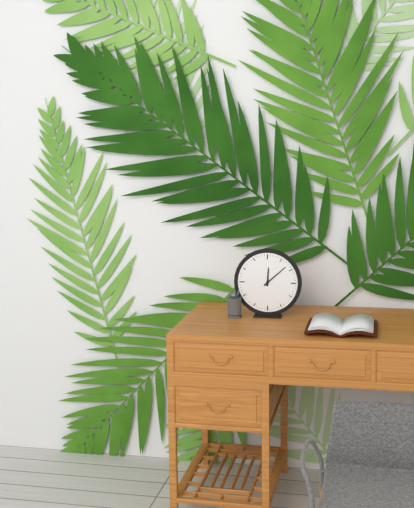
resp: 12h08
